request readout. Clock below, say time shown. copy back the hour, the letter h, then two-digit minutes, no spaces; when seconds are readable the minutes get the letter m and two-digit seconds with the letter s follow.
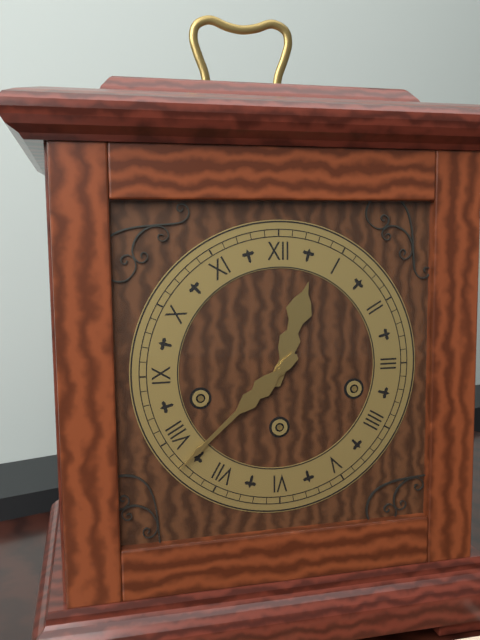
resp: 12h38
